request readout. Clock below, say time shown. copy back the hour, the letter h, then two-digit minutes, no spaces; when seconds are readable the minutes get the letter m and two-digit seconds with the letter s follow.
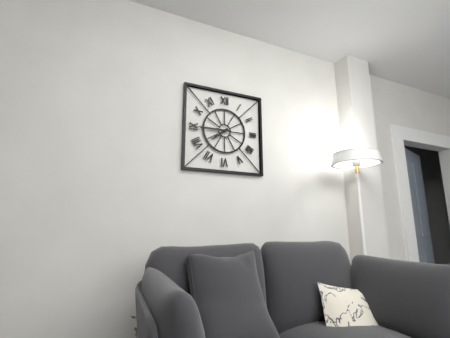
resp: 7h45
